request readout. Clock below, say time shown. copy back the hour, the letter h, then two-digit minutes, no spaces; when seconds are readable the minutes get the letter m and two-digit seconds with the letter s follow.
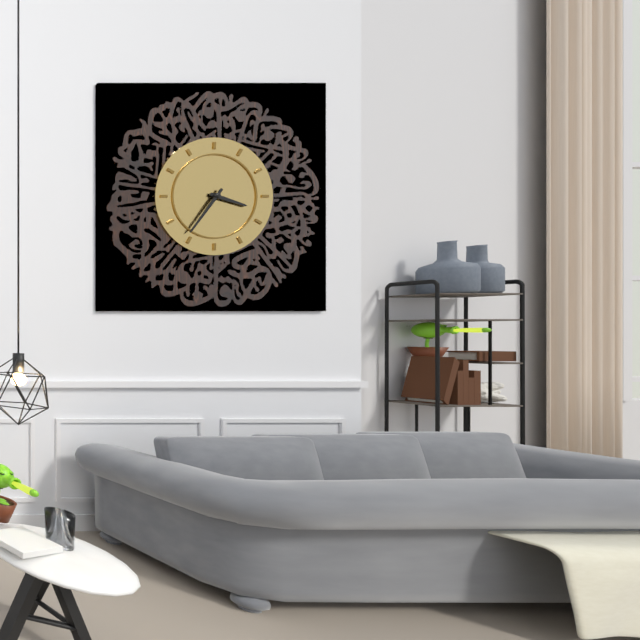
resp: 3h36
